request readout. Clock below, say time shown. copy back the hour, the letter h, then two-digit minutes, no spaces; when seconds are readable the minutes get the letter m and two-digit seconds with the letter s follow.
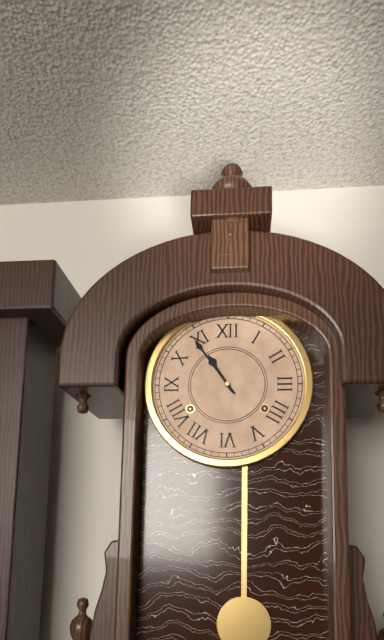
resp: 10h54
